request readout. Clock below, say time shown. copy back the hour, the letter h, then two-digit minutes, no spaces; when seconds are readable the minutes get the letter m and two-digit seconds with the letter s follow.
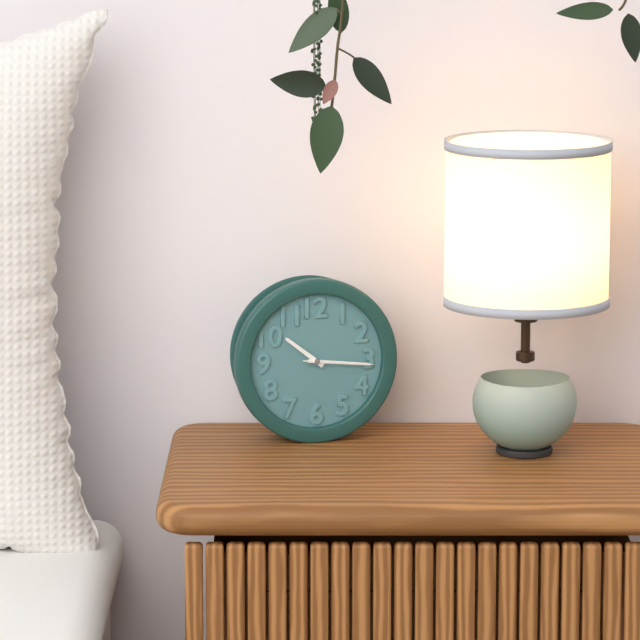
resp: 10h16m16s
